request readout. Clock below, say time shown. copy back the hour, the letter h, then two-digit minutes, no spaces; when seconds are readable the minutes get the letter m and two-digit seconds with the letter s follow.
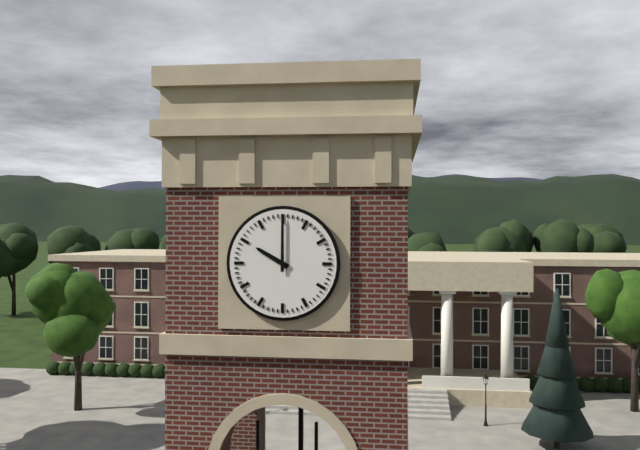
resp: 10h00
